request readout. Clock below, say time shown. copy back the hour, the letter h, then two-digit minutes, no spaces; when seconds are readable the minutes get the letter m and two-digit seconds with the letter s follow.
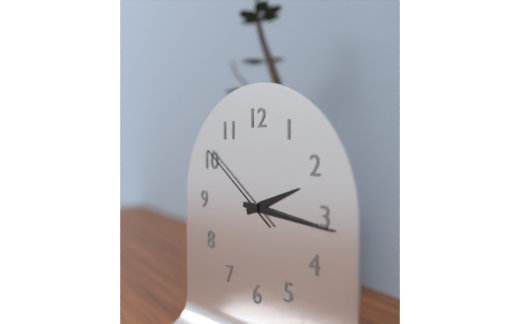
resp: 2h16m51s
